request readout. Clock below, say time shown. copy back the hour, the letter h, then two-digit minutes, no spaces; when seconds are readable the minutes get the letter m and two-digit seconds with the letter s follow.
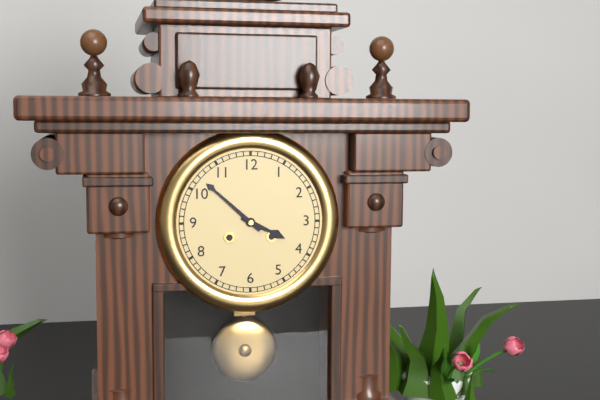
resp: 3h52
